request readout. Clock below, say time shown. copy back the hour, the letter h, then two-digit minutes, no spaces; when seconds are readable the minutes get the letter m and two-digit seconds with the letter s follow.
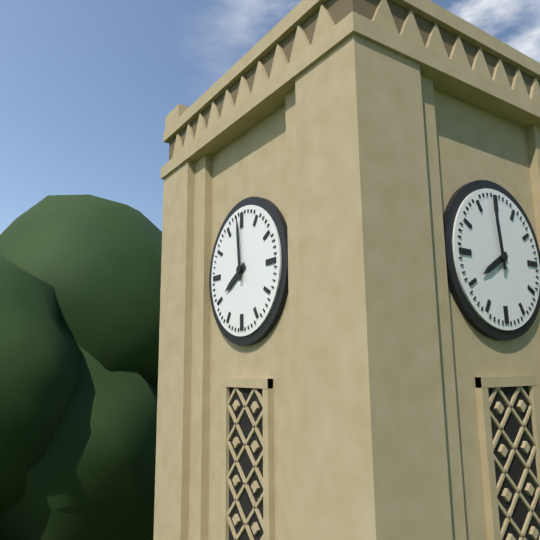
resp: 7h59
